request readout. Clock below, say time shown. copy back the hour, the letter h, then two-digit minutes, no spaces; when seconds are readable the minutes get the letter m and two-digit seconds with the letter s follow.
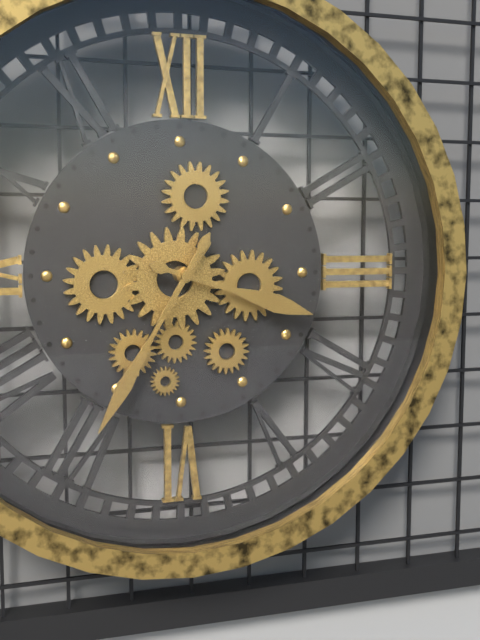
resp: 3h35
